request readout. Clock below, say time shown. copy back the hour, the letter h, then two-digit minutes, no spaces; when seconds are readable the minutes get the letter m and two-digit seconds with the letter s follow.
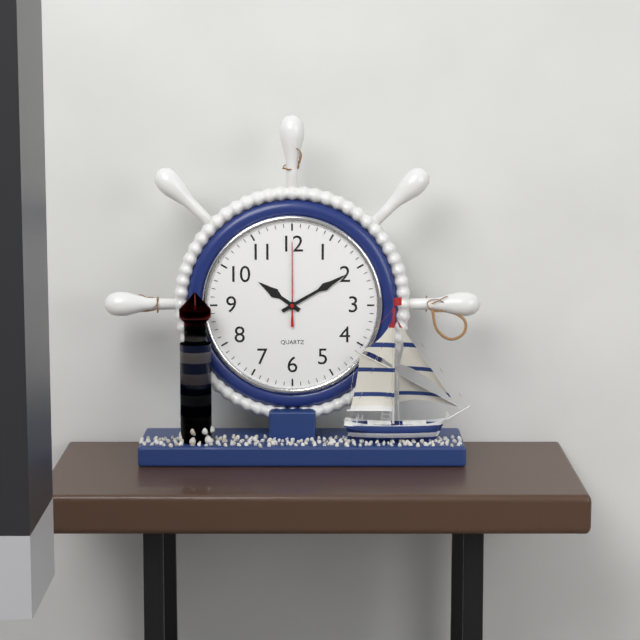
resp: 10h10m00s
